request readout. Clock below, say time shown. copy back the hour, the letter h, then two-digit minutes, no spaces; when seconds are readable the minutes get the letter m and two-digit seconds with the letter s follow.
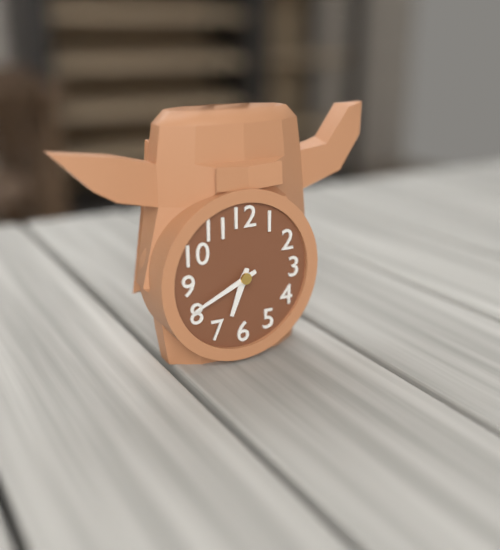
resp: 6h41
